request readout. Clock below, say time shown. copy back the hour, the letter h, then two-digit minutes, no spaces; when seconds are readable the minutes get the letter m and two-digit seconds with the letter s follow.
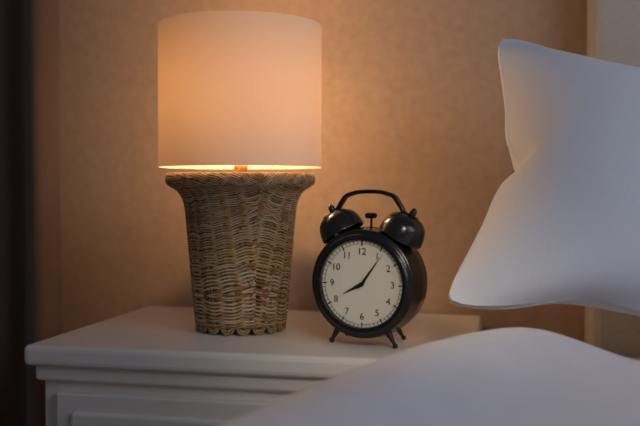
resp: 8h06
